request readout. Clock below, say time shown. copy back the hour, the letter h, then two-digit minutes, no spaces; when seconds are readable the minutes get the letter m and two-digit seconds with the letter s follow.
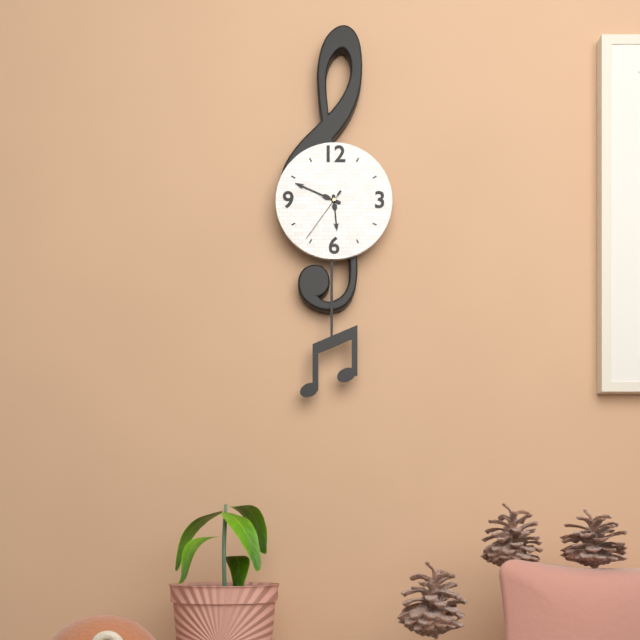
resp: 5h49m36s
